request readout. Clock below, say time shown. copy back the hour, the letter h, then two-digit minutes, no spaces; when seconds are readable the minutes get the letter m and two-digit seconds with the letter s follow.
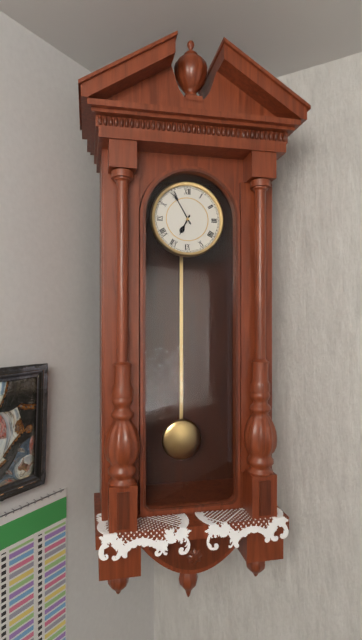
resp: 6h55
